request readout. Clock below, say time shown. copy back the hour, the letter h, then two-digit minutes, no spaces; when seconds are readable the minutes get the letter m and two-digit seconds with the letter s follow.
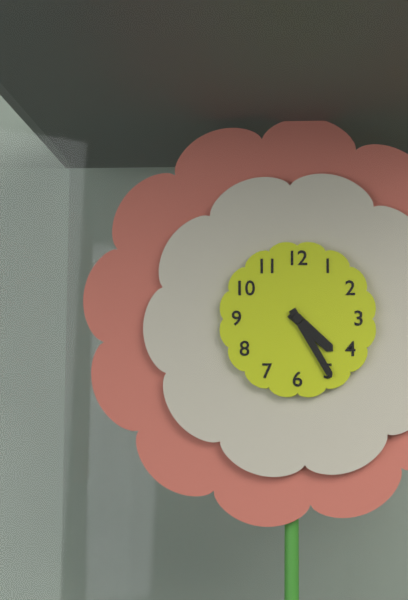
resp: 4h25
